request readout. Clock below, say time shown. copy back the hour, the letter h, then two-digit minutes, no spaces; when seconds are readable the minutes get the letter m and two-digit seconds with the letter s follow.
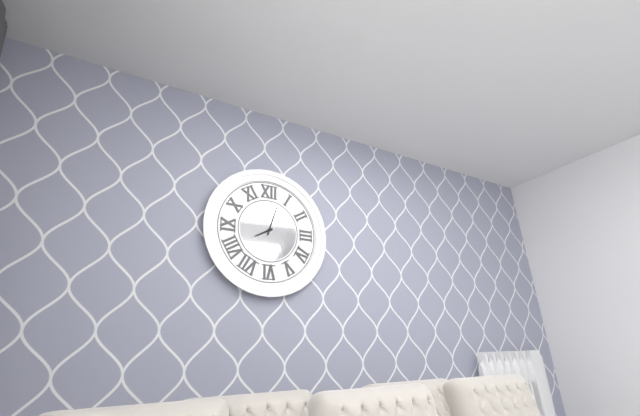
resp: 8h03
